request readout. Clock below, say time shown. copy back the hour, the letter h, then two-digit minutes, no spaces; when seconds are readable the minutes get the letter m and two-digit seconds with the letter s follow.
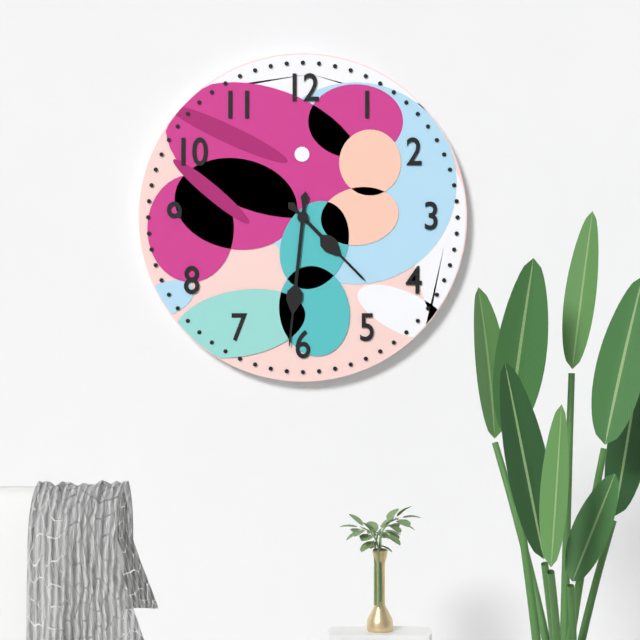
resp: 4h31
